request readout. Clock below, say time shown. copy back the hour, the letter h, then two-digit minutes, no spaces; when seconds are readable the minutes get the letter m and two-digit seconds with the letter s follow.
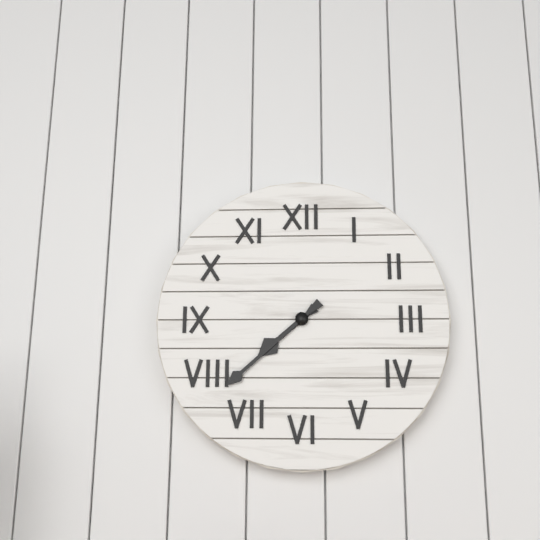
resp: 7h38
